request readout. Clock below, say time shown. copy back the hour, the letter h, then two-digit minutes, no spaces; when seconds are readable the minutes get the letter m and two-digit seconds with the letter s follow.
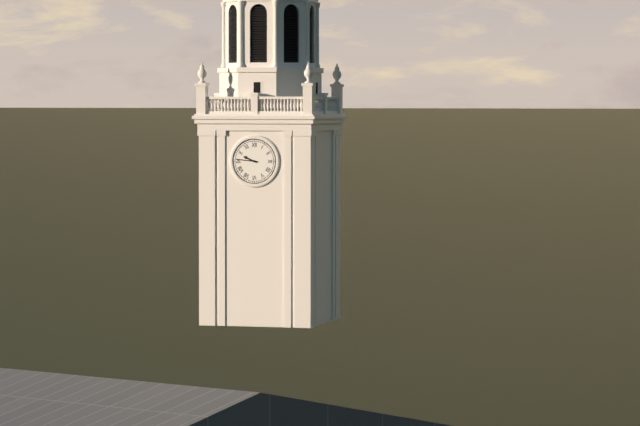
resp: 9h46
